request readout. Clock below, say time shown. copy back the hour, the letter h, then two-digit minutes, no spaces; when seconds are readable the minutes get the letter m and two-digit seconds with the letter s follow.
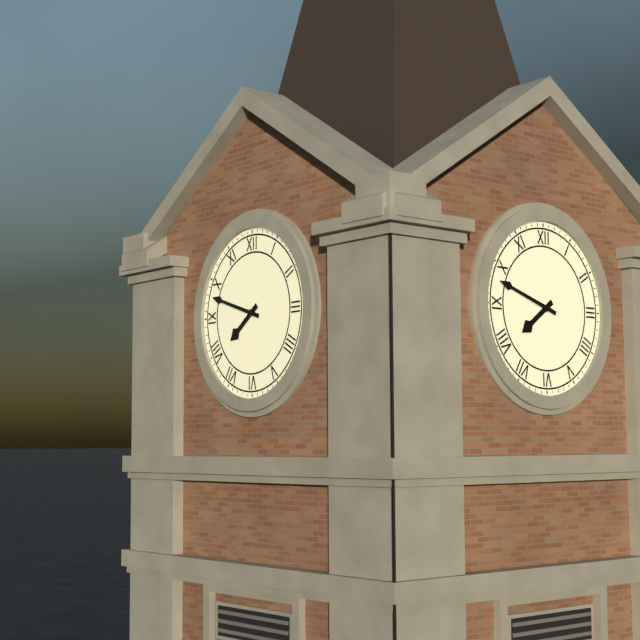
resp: 7h48
